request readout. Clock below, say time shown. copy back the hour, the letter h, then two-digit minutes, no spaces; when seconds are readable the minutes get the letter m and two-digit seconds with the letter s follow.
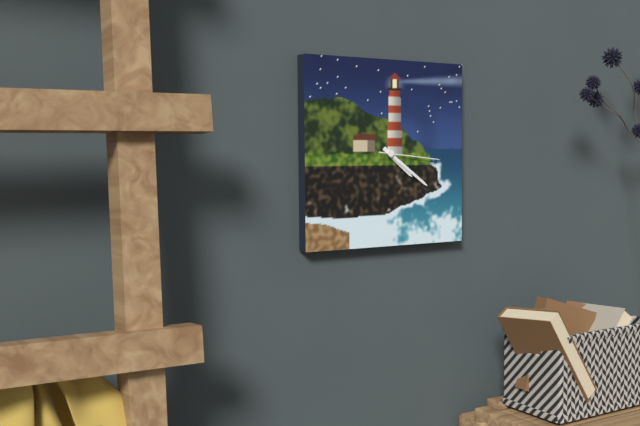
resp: 4h21m16s
